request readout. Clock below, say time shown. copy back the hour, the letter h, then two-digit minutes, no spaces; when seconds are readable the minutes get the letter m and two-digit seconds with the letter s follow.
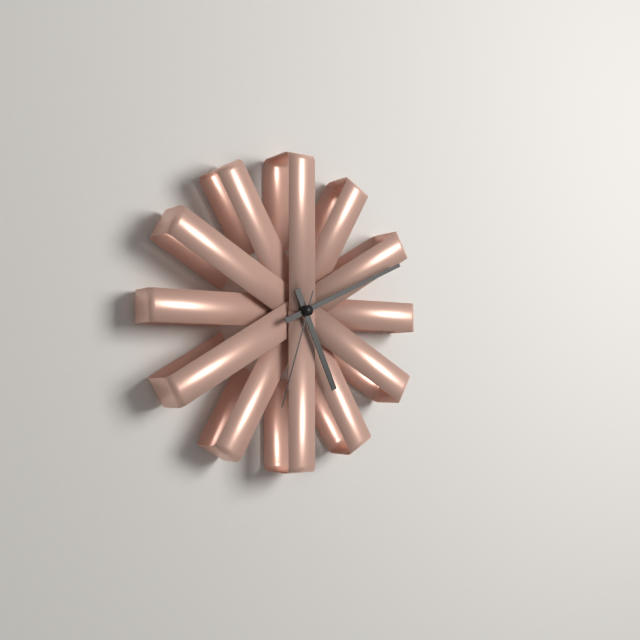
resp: 5h11m33s
